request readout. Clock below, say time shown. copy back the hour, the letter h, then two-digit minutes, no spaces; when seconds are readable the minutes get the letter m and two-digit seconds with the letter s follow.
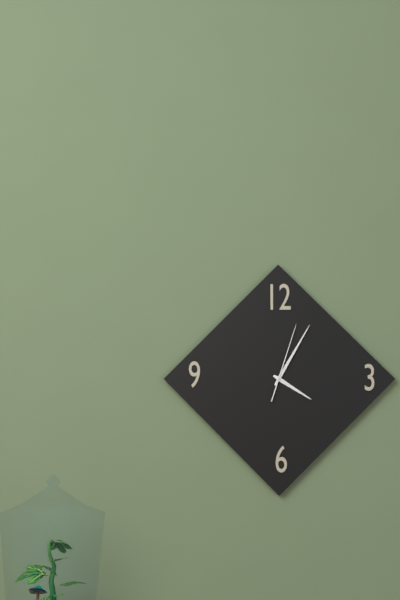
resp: 4h05m03s
